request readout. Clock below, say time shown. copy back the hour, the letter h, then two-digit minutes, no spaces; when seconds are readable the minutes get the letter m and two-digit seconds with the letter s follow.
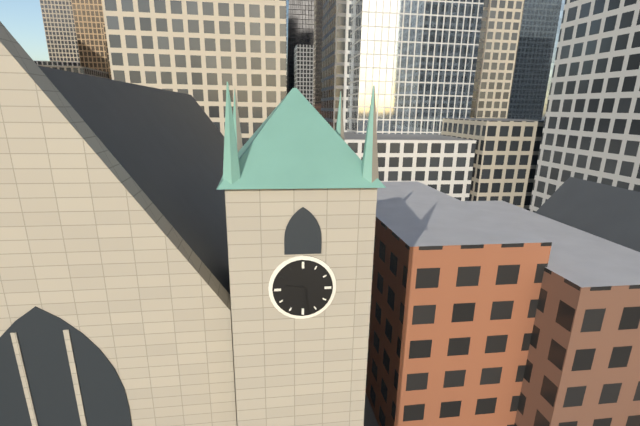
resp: 9h28
